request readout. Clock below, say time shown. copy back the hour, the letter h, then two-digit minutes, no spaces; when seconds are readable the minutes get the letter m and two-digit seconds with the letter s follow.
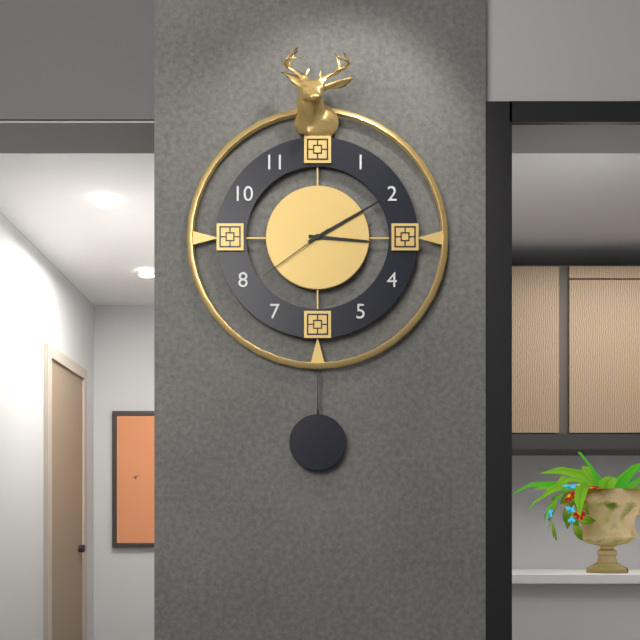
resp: 3h10m39s
